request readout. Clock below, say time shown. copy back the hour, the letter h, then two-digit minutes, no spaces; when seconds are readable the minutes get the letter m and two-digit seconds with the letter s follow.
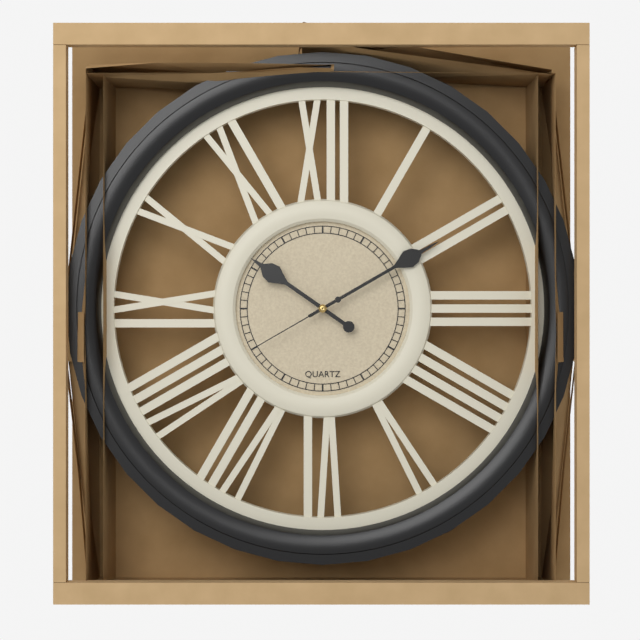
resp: 10h10m40s
